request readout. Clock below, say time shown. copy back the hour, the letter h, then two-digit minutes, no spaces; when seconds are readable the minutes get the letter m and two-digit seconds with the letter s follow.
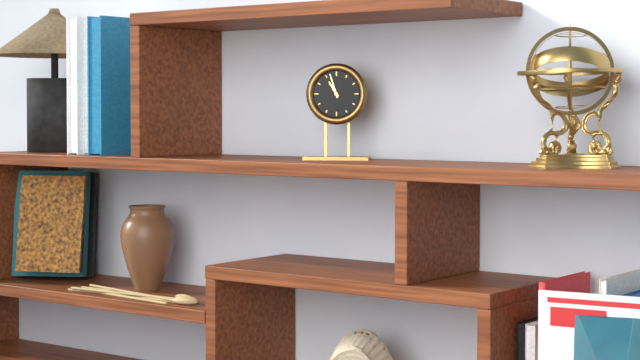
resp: 10h57
